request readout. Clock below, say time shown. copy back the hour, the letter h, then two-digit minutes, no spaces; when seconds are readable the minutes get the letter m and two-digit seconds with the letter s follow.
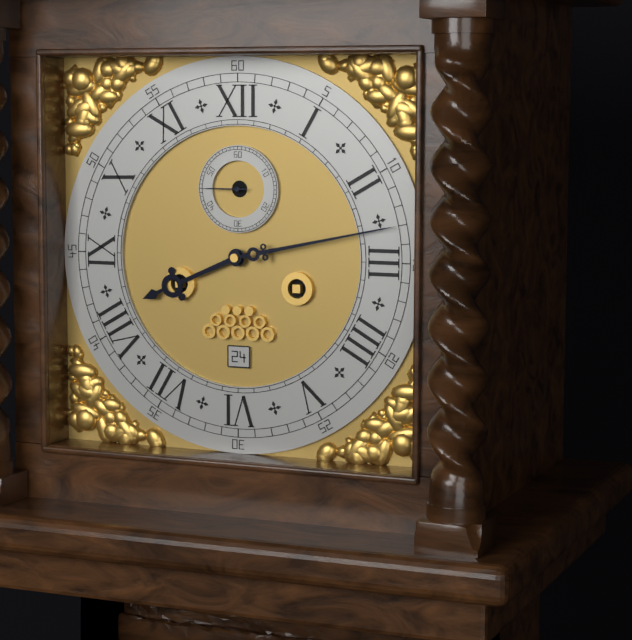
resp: 8h13
